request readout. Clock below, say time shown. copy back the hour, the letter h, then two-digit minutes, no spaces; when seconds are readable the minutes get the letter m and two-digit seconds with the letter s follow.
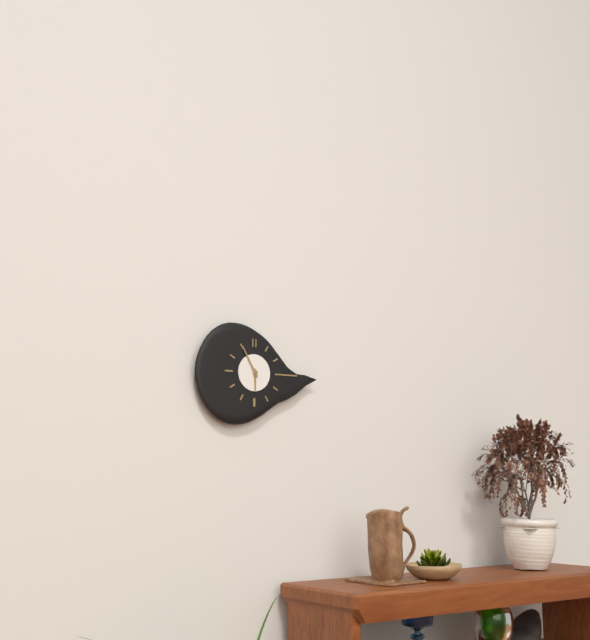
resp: 5h55
